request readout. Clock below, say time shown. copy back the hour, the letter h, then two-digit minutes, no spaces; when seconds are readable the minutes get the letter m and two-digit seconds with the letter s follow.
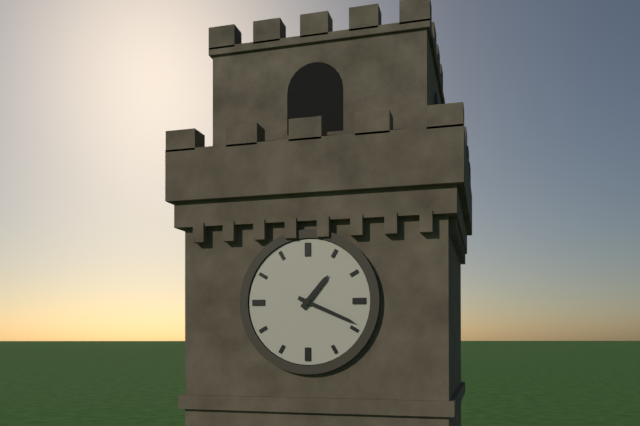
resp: 1h19
